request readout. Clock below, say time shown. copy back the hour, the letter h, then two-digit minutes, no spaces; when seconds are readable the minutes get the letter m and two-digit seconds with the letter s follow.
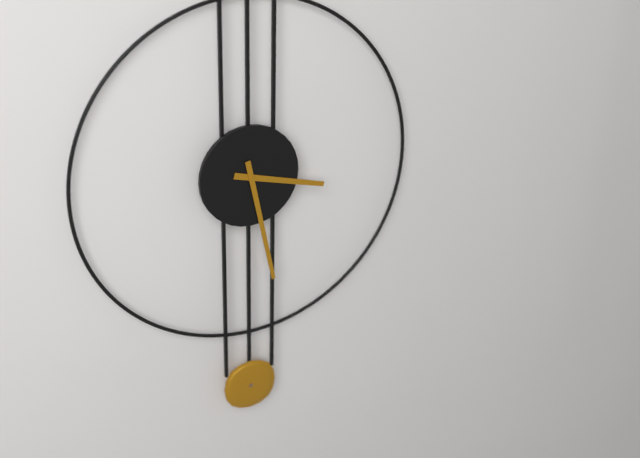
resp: 3h28
